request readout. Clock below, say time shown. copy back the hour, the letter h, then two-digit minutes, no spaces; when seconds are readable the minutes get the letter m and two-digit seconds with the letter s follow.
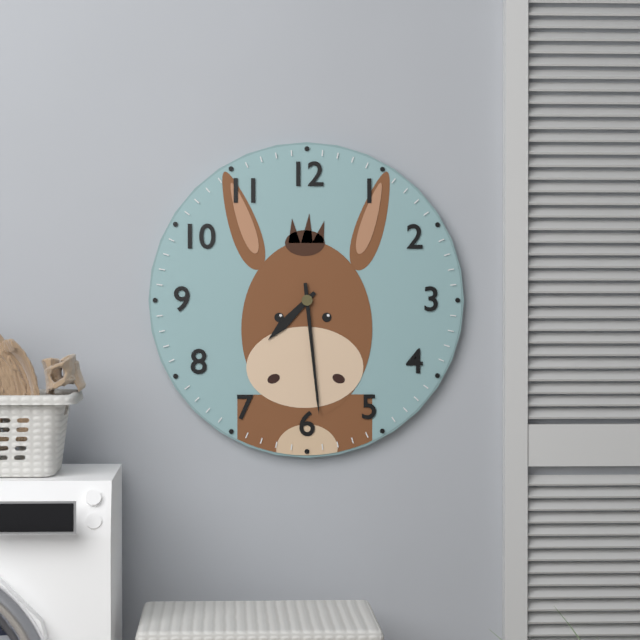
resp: 7h29
